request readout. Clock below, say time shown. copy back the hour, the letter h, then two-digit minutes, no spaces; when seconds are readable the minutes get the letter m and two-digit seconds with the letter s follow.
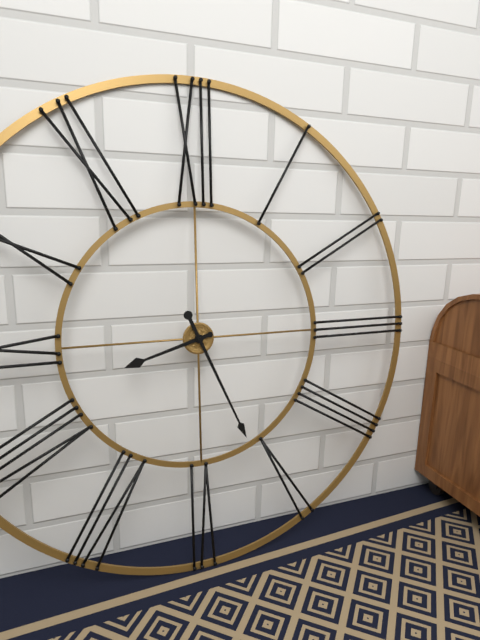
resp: 8h26
